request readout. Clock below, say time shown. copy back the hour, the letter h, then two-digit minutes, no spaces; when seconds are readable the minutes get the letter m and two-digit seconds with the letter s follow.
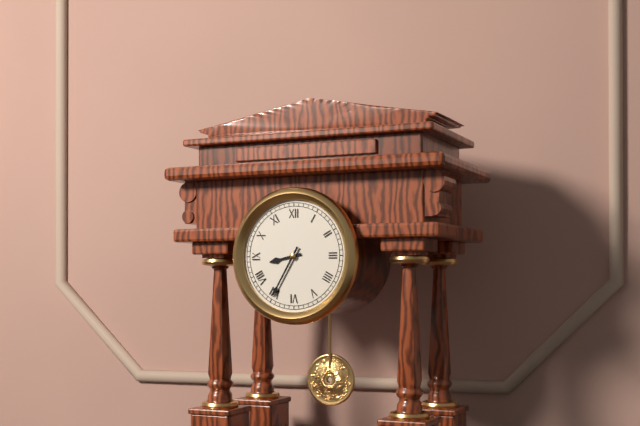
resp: 8h35
